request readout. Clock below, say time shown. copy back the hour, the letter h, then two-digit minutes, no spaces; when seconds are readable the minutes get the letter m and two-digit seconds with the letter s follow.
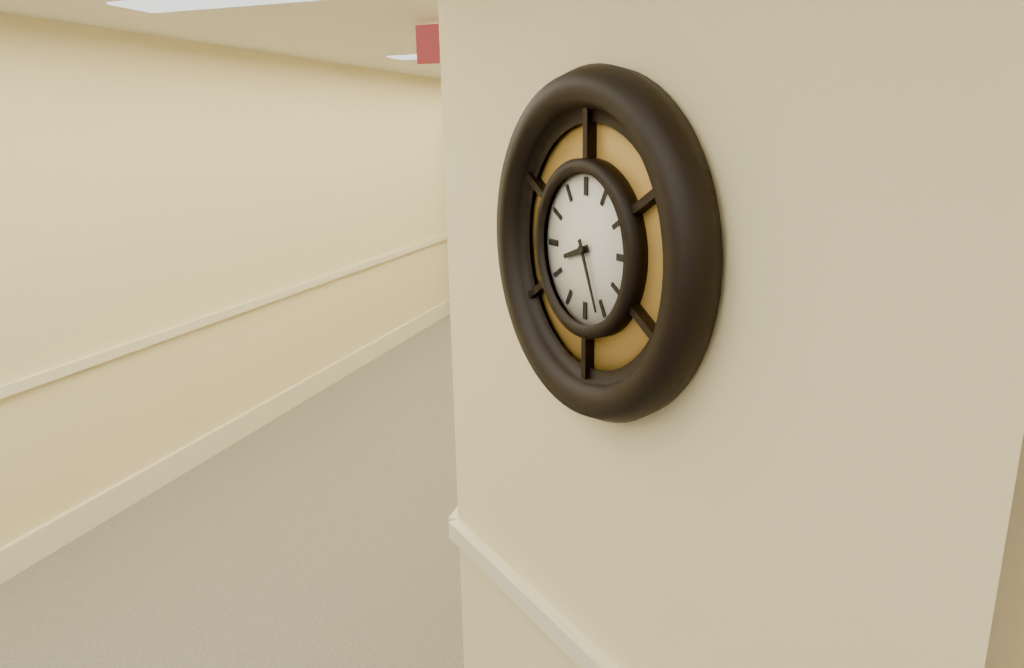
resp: 8h26
